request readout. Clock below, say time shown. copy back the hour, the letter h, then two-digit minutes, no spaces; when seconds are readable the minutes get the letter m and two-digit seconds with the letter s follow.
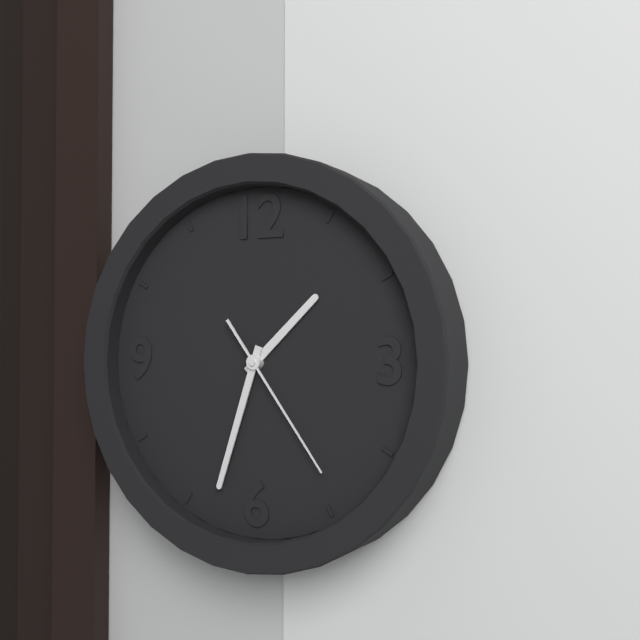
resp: 1h33m24s
